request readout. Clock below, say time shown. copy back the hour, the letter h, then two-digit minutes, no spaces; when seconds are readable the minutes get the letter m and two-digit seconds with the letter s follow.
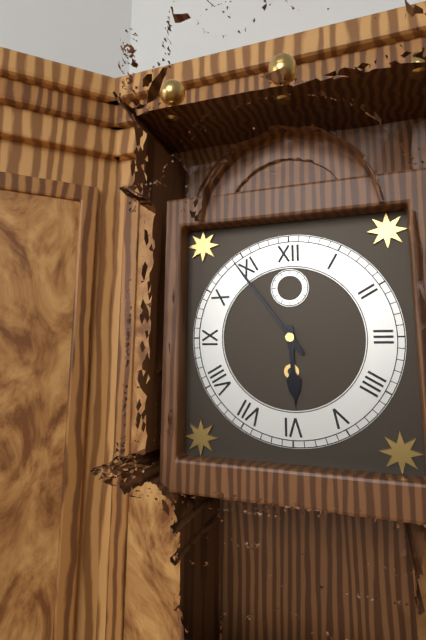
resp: 5h54
